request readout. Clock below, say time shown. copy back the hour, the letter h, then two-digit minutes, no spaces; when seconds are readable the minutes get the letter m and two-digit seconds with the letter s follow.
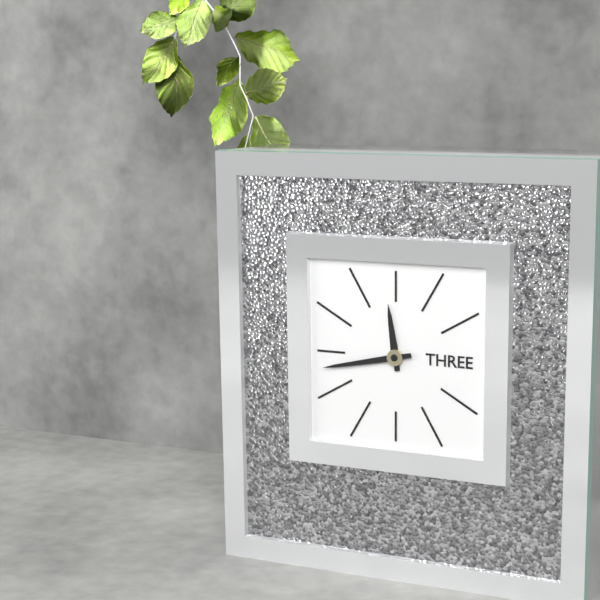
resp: 11h43
